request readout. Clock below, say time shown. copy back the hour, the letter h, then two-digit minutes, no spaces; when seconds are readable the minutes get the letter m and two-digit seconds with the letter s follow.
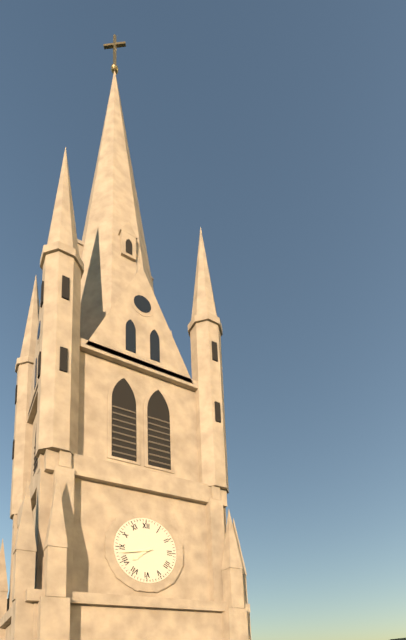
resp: 7h43
